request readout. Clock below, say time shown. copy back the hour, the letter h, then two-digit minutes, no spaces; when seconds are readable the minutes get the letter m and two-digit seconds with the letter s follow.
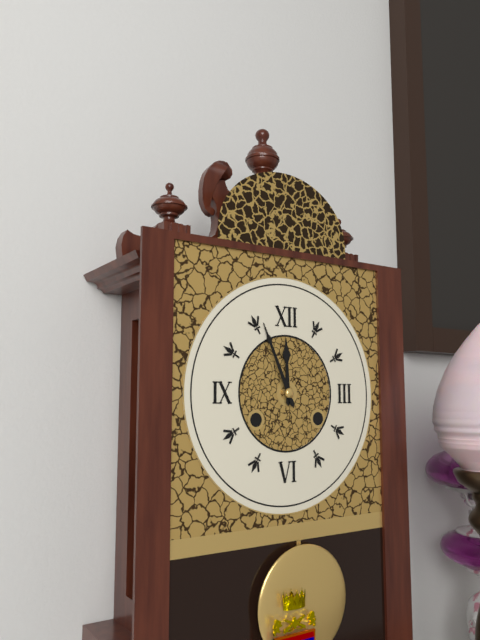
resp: 11h56
